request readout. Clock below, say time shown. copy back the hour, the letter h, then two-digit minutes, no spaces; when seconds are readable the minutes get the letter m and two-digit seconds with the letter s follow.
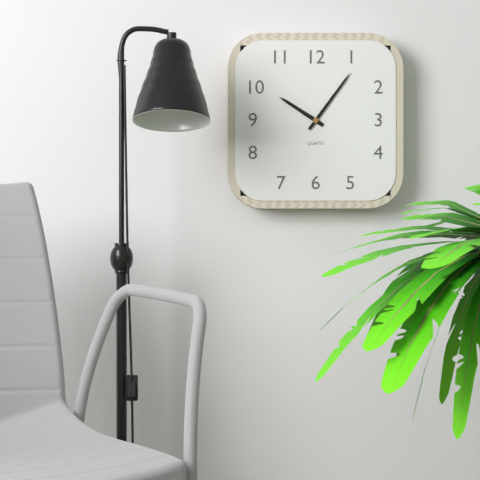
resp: 10h06
